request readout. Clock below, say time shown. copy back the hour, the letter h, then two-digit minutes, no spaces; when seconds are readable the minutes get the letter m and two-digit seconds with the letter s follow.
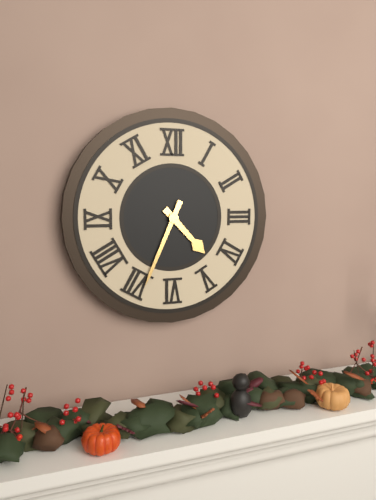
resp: 4h34
